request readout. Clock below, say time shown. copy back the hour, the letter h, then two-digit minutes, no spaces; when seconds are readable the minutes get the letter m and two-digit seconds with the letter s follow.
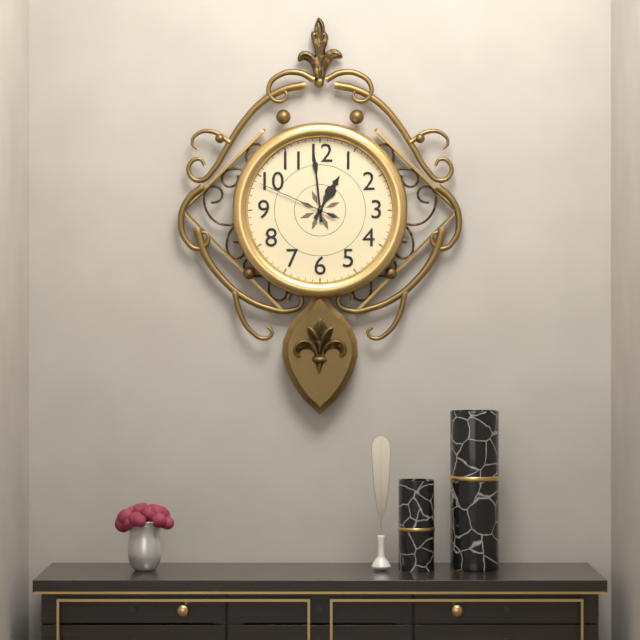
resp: 12h59m49s
